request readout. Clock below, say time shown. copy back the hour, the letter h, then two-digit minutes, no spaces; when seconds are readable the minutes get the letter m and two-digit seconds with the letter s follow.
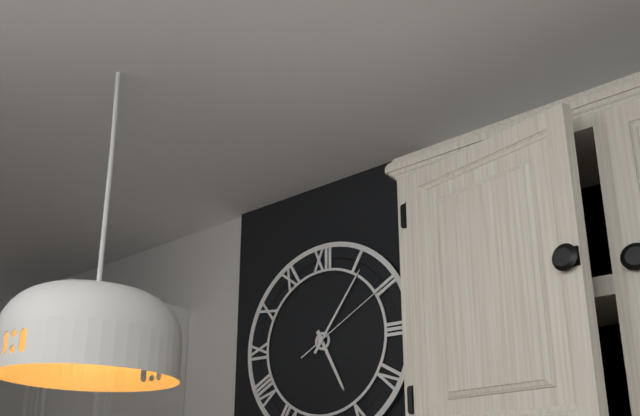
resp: 5h06m10s
